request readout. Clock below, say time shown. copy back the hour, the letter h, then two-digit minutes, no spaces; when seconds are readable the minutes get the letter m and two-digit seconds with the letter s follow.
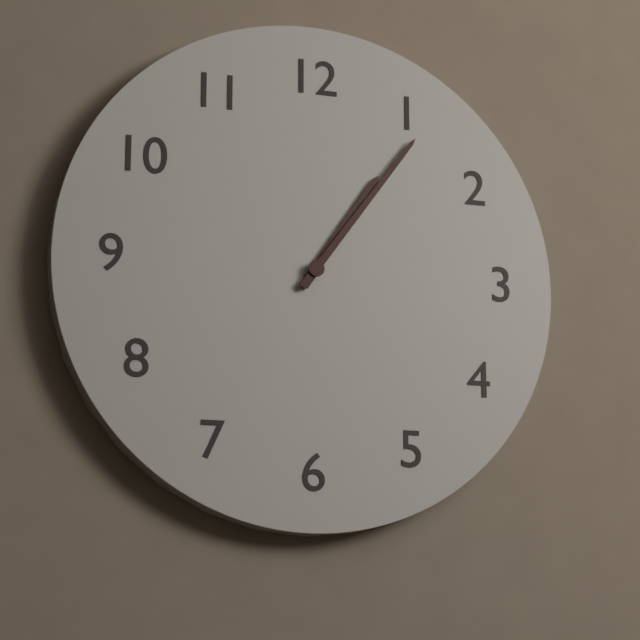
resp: 1h06
